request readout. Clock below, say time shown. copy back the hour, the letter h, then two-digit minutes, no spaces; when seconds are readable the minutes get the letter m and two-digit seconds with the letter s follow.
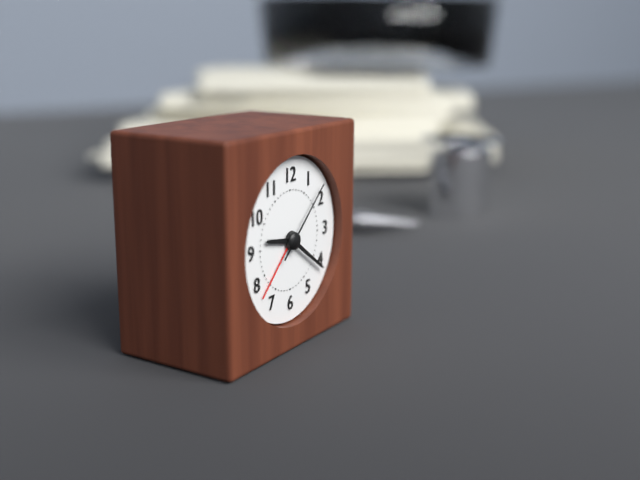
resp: 9h21m08s
